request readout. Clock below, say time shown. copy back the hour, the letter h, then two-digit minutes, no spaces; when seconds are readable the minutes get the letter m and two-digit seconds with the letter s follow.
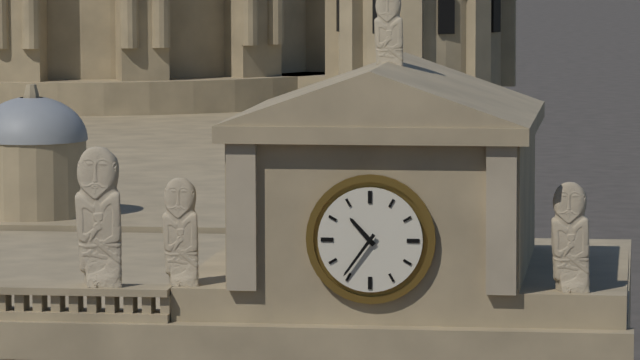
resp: 10h36
